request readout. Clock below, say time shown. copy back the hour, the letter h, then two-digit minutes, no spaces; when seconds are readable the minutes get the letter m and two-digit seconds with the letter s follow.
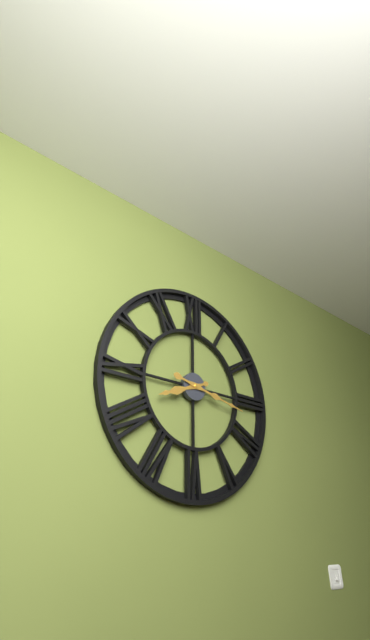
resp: 8h17
